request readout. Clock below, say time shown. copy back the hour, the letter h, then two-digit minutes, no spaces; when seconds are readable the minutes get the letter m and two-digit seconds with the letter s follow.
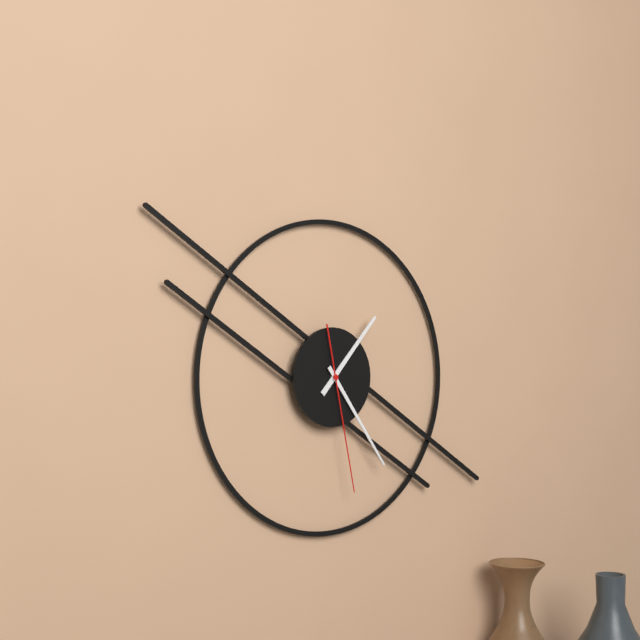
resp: 1h24m28s
